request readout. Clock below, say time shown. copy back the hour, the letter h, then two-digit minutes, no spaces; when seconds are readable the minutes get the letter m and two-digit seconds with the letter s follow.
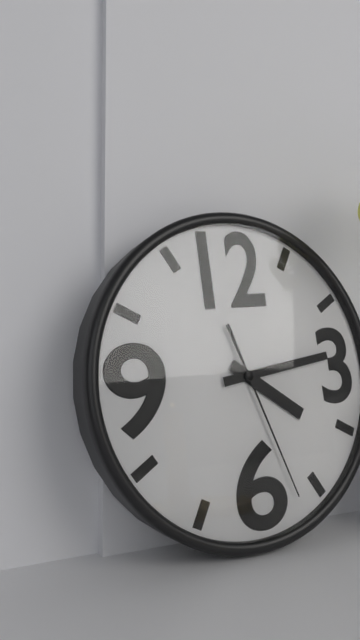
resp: 4h14m27s
